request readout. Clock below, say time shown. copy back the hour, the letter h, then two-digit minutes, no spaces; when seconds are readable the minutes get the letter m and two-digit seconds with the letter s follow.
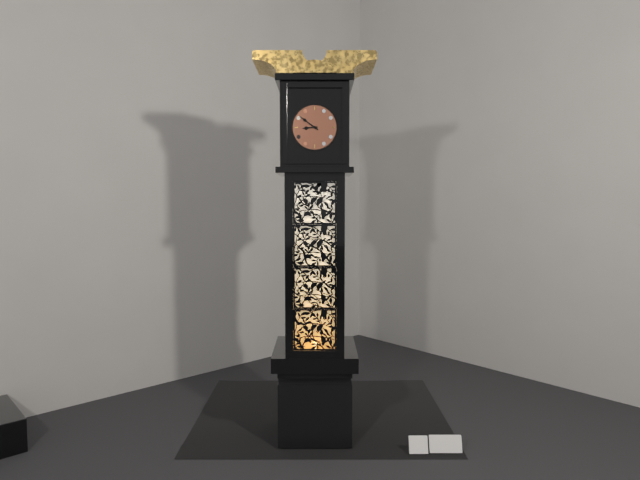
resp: 8h51
